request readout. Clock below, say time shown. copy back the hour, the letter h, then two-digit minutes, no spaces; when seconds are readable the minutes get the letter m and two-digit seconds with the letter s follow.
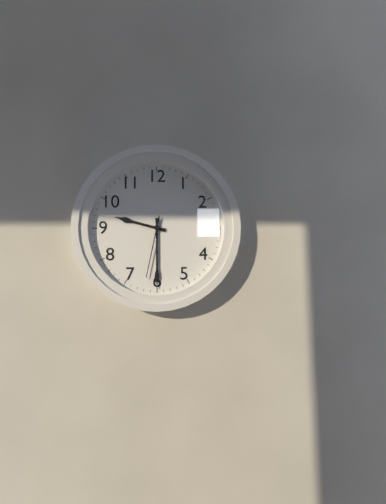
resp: 9h30m32s
